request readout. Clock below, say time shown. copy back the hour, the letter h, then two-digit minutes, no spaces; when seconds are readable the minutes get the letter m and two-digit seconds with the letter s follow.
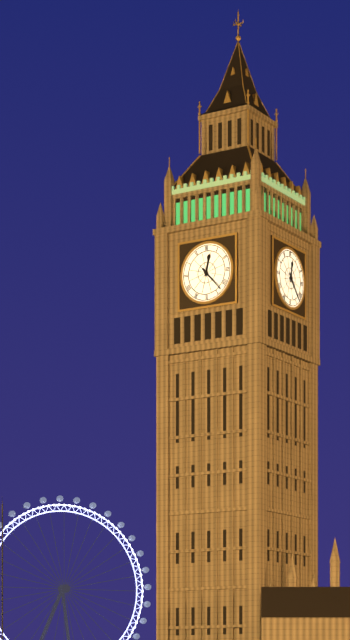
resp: 12h23
